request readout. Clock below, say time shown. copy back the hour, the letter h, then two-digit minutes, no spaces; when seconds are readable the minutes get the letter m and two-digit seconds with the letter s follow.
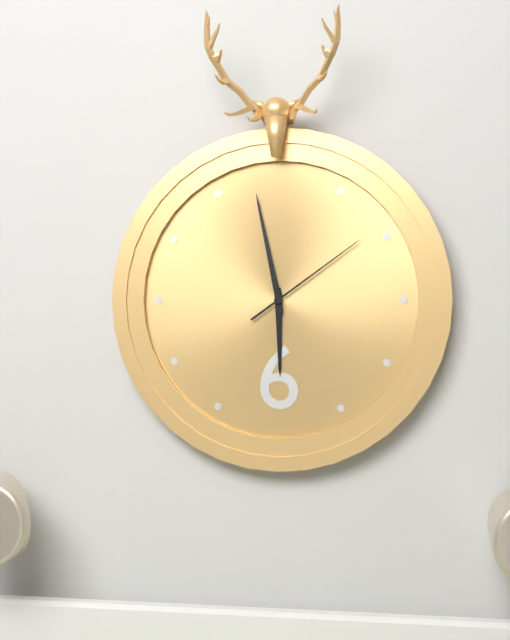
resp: 5h58m09s
